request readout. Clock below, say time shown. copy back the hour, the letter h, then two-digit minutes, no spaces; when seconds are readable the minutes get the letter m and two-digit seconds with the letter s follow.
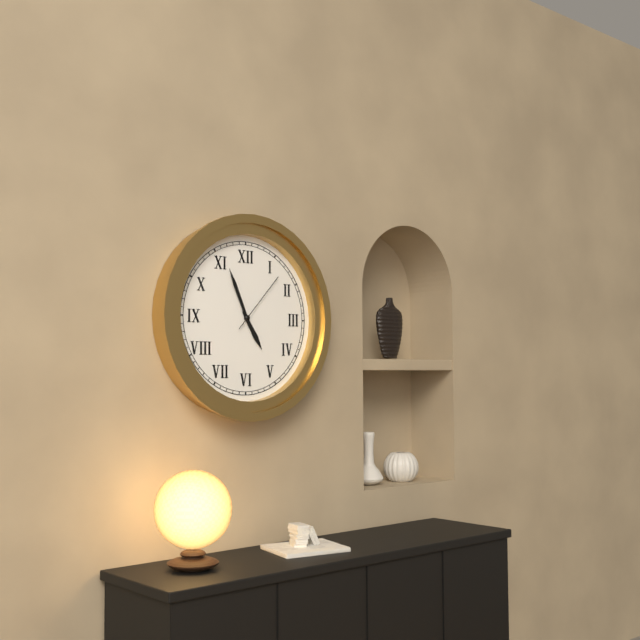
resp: 4h56m07s
